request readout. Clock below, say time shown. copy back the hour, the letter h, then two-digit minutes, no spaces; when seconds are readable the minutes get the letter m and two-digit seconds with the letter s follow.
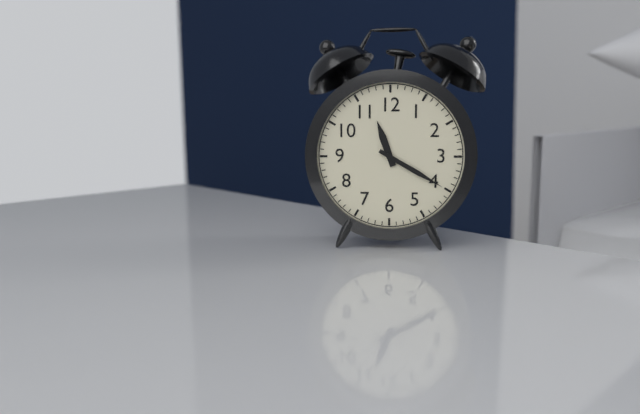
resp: 11h20
